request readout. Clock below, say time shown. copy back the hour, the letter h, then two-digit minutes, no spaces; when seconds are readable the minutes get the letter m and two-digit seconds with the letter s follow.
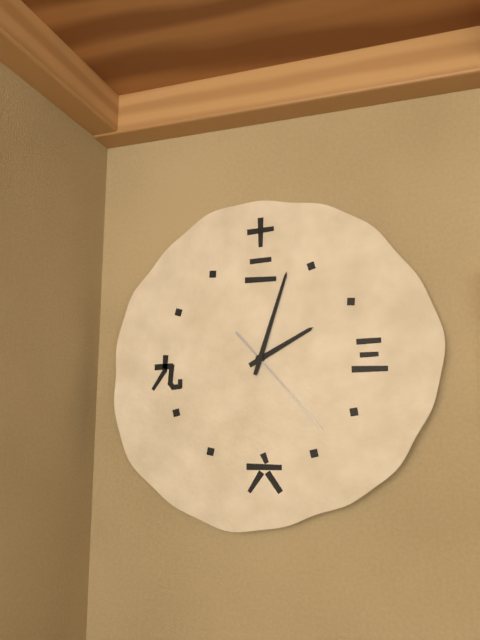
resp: 2h03m23s
